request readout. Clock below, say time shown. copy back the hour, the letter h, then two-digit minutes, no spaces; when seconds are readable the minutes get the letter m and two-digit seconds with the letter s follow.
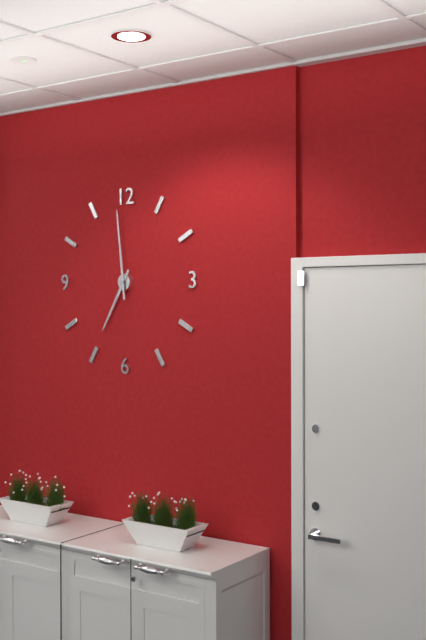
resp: 6h59
